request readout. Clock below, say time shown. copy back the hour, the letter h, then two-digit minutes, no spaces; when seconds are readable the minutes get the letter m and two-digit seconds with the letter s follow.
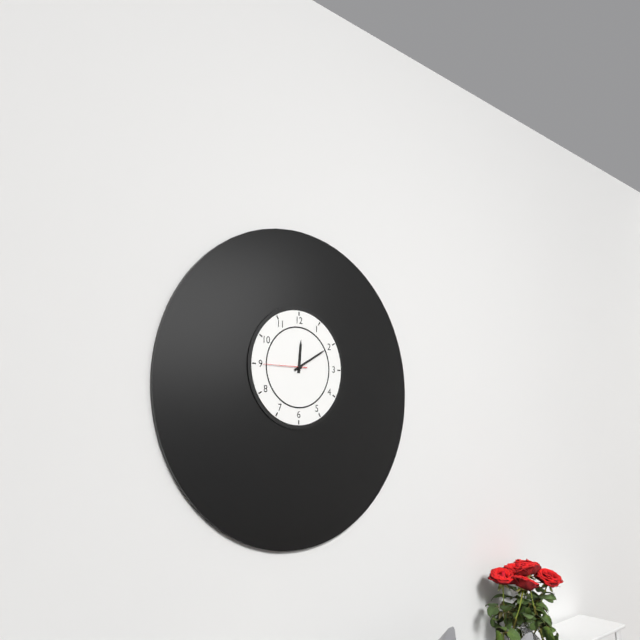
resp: 12h10
